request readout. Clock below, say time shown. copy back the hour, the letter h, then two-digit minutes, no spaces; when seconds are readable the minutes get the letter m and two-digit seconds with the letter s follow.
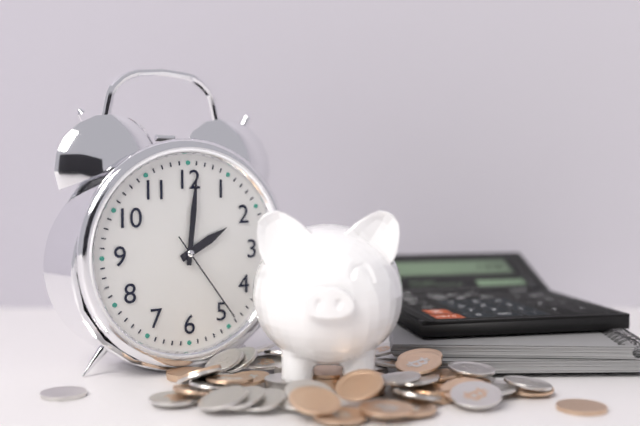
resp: 2h01m24s
